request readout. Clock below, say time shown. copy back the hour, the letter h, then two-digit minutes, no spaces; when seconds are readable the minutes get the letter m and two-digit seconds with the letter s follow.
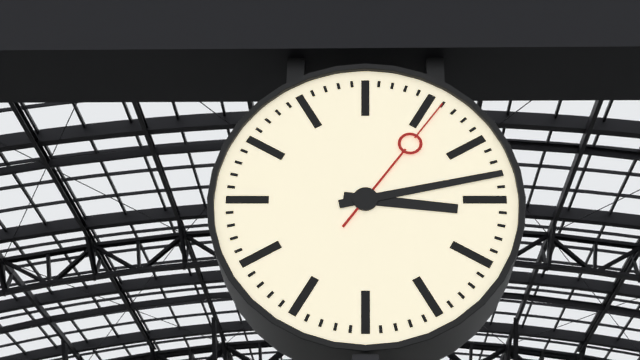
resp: 3h13m06s
